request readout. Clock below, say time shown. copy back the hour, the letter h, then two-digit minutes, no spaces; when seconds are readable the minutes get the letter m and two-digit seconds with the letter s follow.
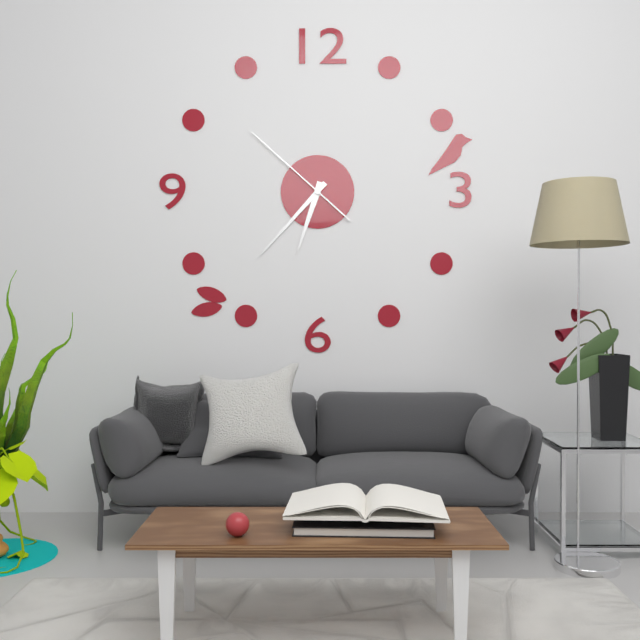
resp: 6h37m52s
